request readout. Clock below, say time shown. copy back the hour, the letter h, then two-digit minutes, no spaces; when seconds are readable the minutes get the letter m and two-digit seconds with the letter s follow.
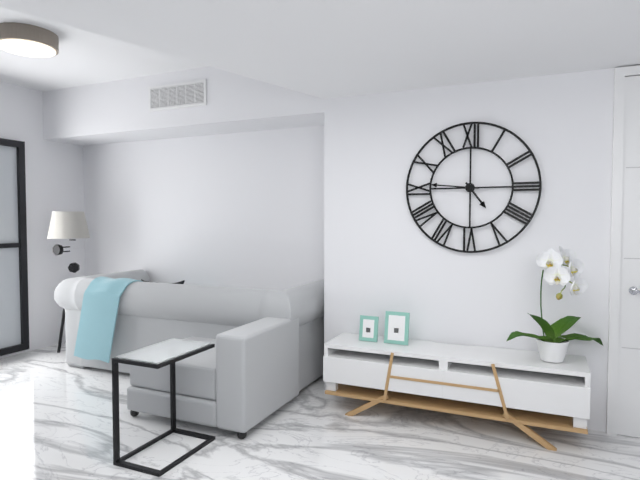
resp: 4h46
